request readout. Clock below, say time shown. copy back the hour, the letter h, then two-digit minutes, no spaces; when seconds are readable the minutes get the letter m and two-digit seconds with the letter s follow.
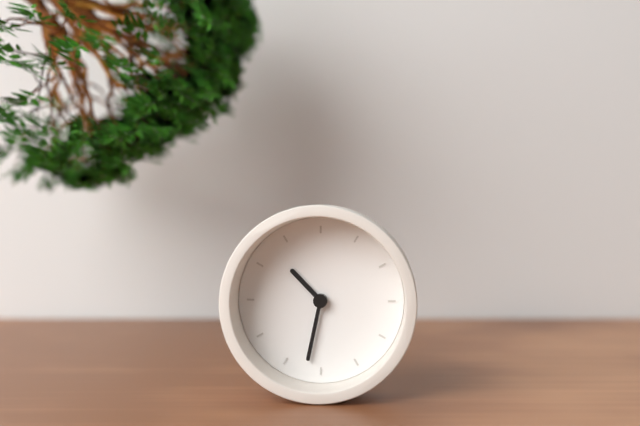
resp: 10h32
